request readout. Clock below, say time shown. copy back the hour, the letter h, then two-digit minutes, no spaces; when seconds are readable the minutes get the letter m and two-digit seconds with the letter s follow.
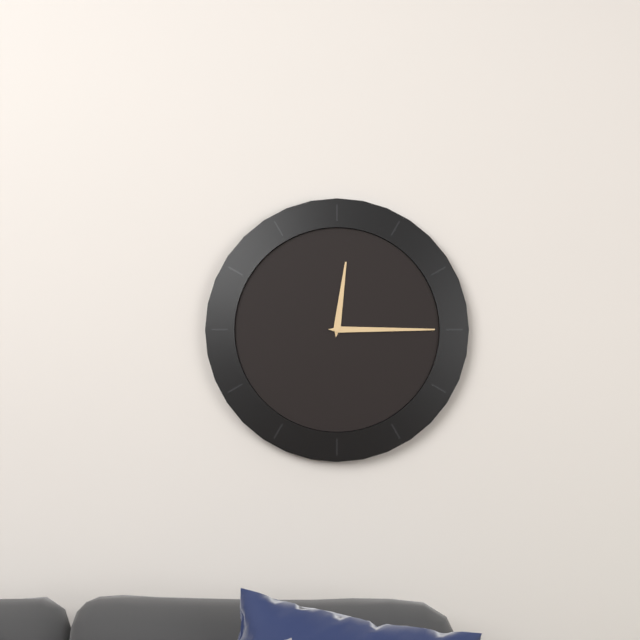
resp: 12h15
